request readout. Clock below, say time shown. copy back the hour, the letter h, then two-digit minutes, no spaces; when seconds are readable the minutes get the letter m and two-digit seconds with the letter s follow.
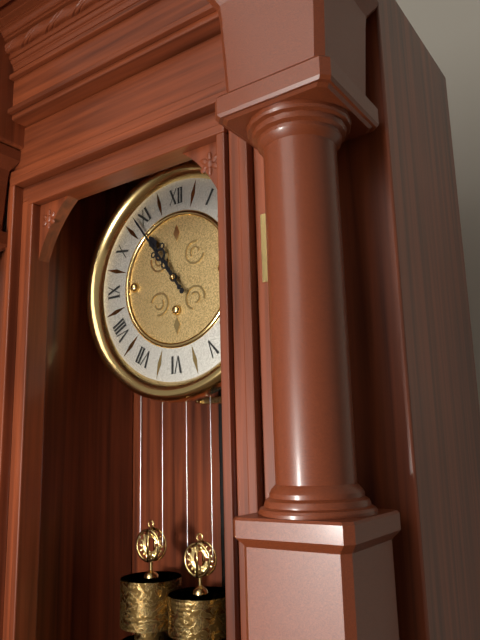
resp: 10h54
